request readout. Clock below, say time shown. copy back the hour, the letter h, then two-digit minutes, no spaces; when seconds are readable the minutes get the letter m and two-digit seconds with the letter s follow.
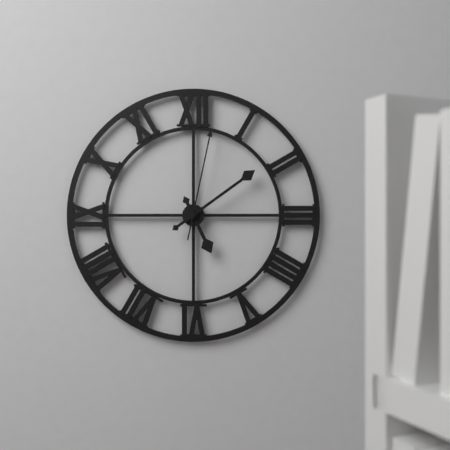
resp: 5h09m02s
